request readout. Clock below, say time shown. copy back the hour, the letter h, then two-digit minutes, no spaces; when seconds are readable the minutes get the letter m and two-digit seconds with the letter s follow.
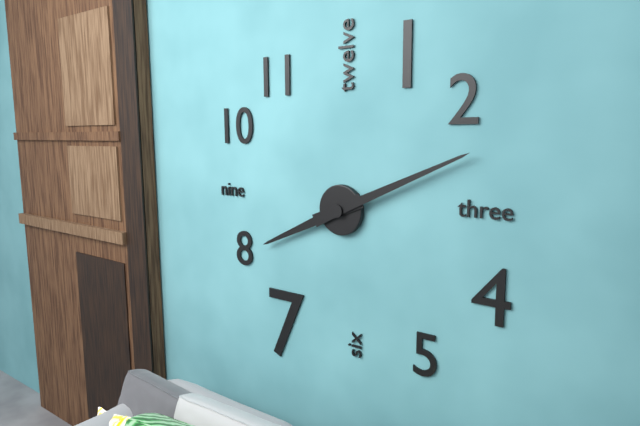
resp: 8h11
